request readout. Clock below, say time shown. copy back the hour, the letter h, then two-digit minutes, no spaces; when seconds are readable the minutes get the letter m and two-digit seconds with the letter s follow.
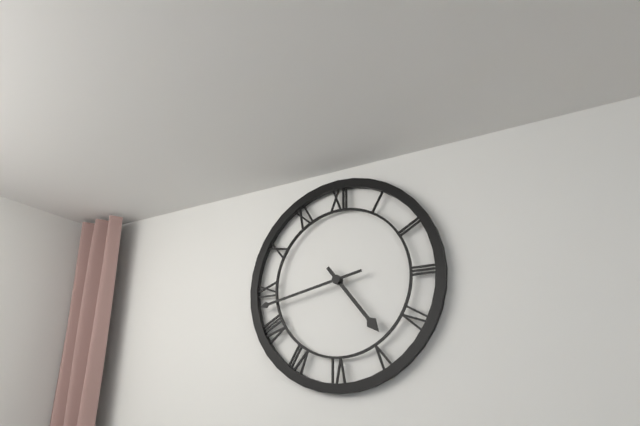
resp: 4h43
